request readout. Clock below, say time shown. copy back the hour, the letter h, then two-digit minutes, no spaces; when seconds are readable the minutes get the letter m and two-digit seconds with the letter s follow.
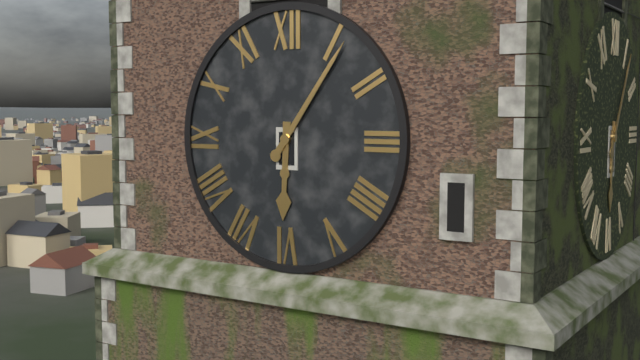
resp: 6h06
